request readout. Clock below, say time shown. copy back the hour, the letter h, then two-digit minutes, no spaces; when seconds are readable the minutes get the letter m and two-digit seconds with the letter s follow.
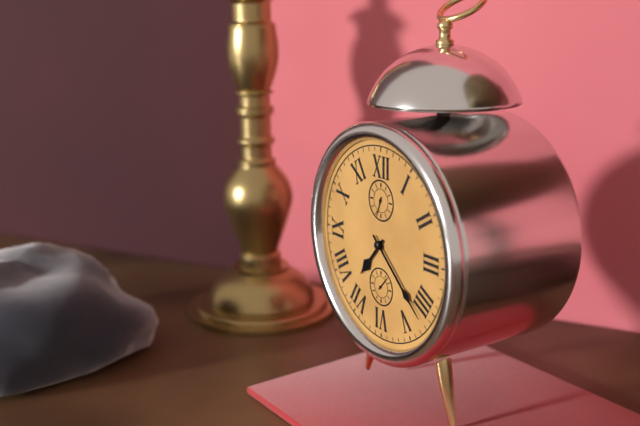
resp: 7h22
